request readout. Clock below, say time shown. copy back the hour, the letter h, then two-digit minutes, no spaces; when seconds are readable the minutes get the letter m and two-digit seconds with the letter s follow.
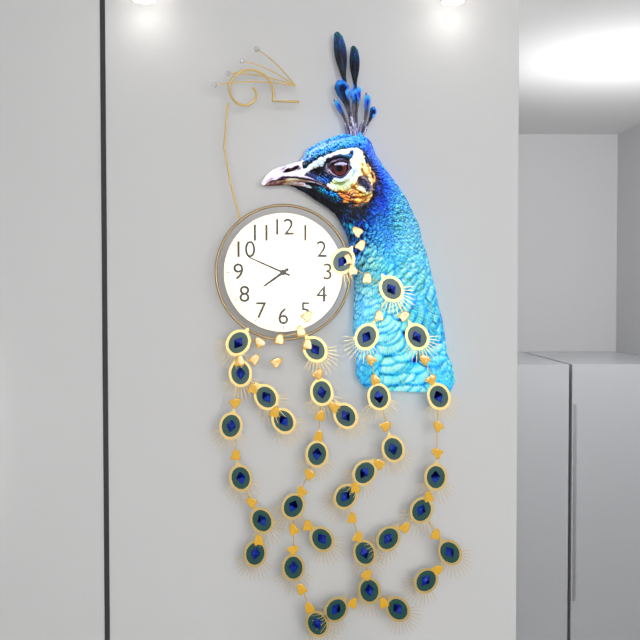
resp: 7h49
